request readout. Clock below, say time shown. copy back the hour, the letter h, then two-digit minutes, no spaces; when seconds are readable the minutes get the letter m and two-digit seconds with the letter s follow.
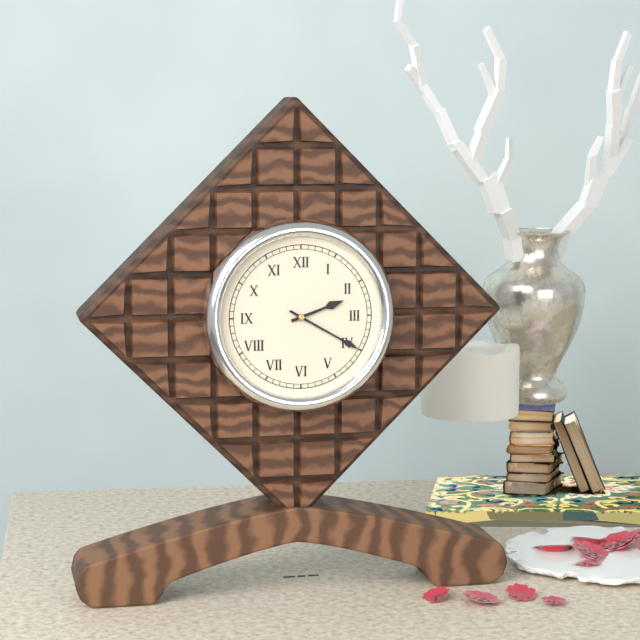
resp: 2h20
